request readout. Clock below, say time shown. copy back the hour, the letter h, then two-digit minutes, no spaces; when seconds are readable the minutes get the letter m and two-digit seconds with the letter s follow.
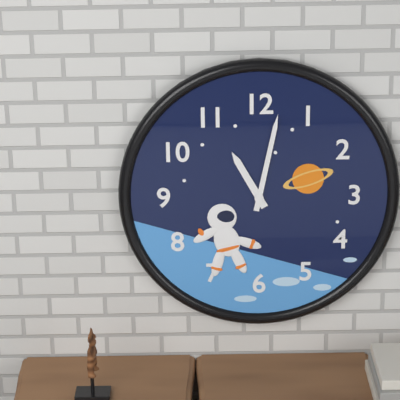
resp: 11h02
